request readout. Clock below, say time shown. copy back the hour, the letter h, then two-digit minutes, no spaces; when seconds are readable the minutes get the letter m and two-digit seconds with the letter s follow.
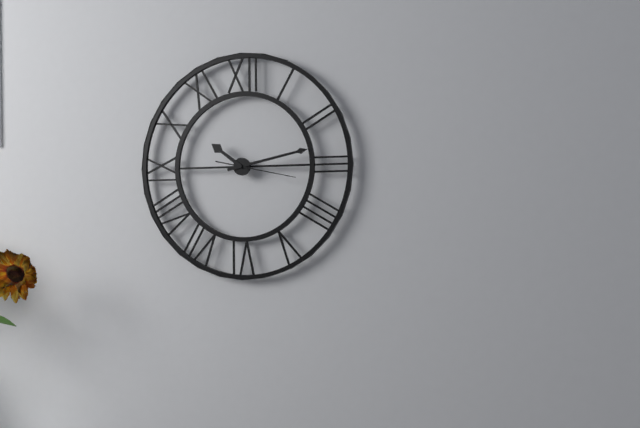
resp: 10h13m17s
